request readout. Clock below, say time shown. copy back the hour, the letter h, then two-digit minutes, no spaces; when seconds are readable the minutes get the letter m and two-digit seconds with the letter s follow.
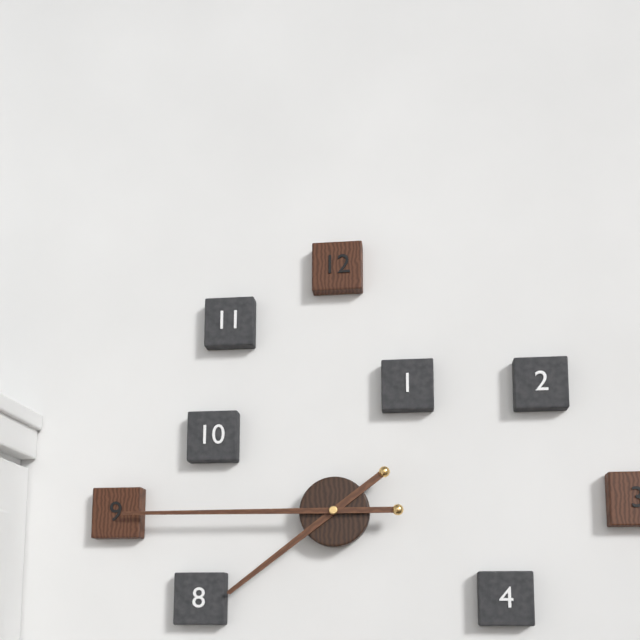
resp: 7h45
